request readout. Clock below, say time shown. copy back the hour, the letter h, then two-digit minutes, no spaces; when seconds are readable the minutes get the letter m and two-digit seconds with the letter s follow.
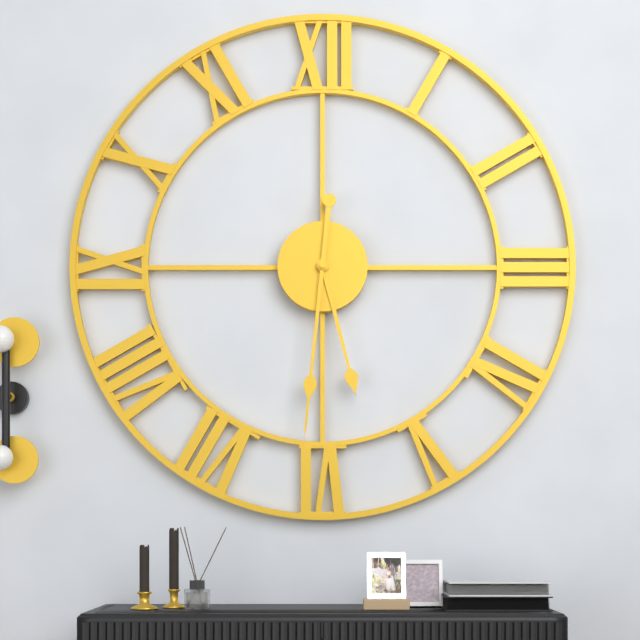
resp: 5h31
